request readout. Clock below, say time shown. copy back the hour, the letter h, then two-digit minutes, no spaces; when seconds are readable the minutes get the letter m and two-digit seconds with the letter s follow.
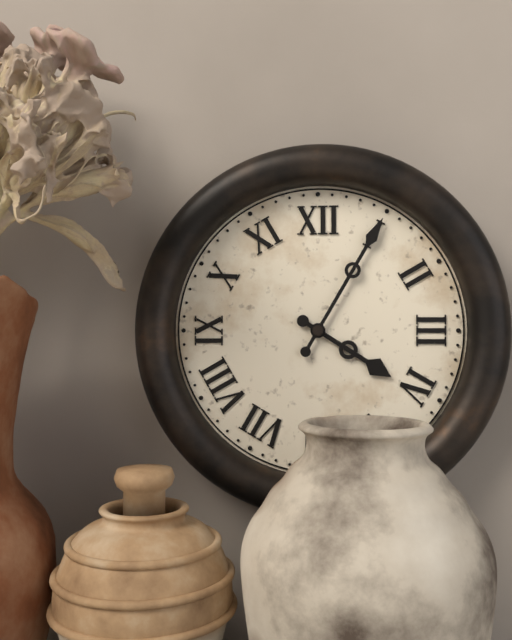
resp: 4h05
